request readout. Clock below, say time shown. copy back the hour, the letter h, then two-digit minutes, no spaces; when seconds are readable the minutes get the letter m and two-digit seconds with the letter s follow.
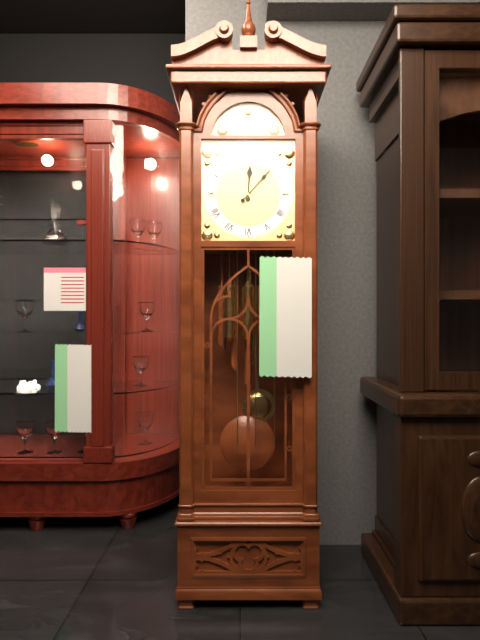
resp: 12h07
